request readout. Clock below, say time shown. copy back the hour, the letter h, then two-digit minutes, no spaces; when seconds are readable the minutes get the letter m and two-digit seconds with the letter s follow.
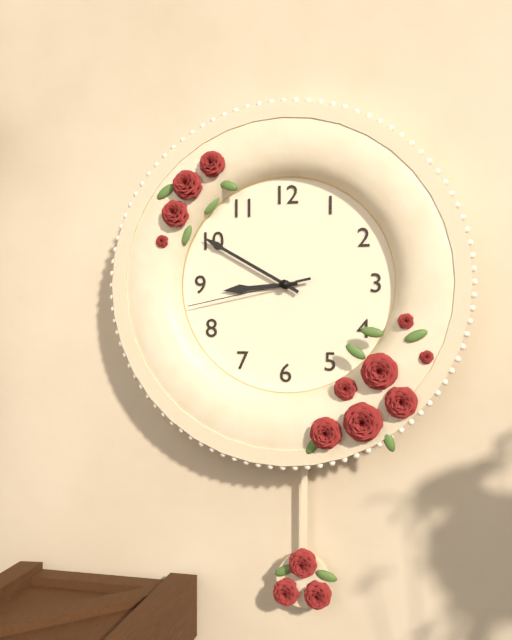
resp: 8h50m43s
